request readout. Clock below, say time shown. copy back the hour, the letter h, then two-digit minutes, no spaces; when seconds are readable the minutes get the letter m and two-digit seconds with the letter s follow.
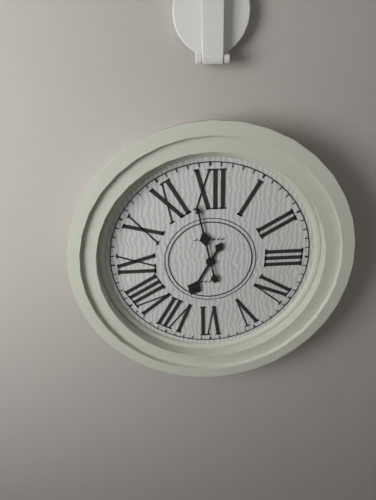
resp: 6h58
